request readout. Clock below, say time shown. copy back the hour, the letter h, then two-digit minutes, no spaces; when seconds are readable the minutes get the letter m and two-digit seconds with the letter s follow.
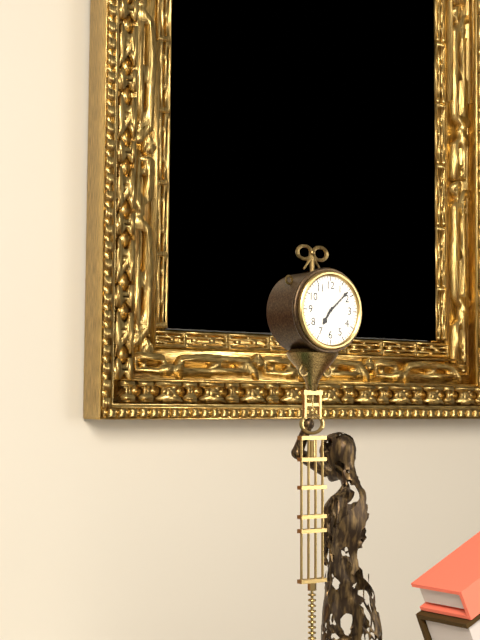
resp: 7h08
